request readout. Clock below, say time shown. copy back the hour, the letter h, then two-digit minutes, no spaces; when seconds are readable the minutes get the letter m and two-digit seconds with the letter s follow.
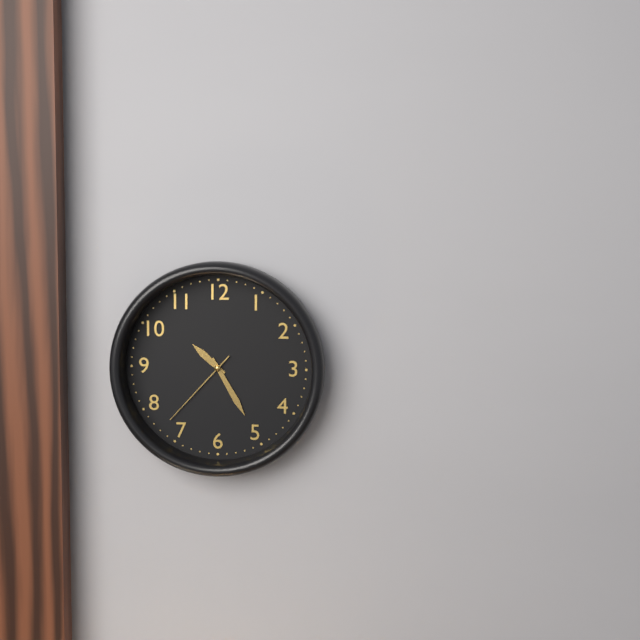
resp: 10h25m37s
